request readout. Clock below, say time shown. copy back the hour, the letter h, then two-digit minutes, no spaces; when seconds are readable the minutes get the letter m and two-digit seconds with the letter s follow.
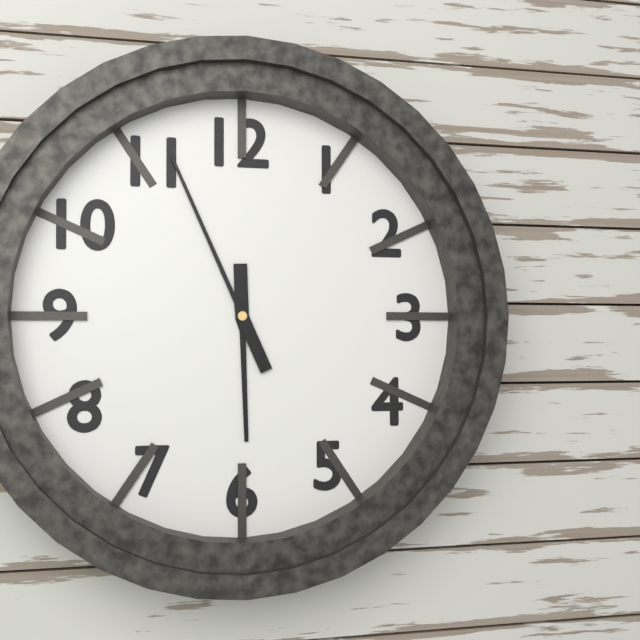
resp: 5h56
